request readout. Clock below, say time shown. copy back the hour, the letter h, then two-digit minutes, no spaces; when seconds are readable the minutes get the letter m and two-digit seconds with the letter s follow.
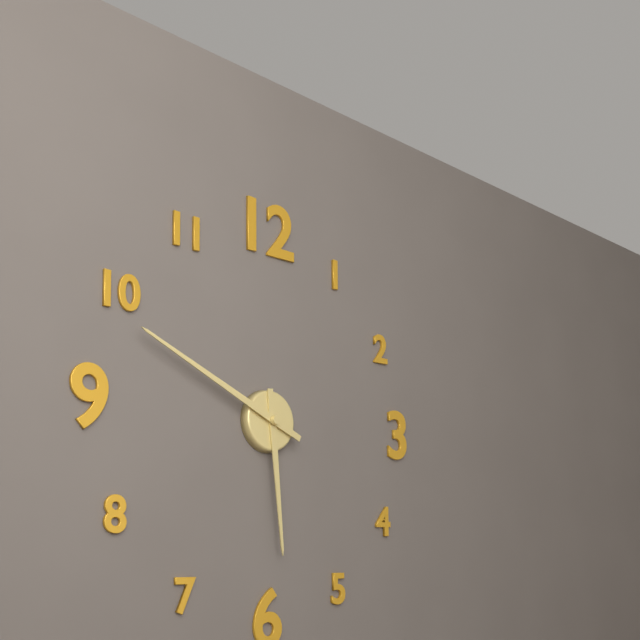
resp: 5h49
